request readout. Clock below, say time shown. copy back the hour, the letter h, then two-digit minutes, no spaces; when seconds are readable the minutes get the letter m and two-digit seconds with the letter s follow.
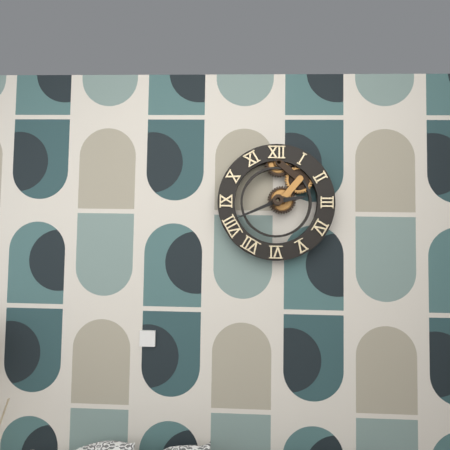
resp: 2h41
